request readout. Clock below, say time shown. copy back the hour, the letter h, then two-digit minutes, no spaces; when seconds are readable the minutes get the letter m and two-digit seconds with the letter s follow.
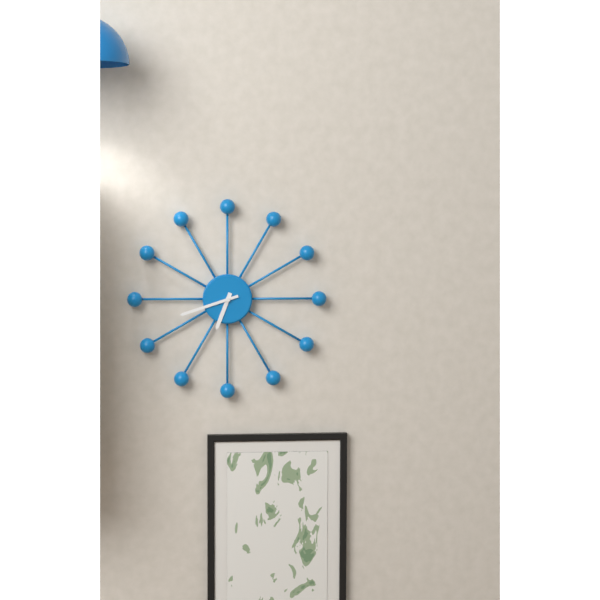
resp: 6h42
